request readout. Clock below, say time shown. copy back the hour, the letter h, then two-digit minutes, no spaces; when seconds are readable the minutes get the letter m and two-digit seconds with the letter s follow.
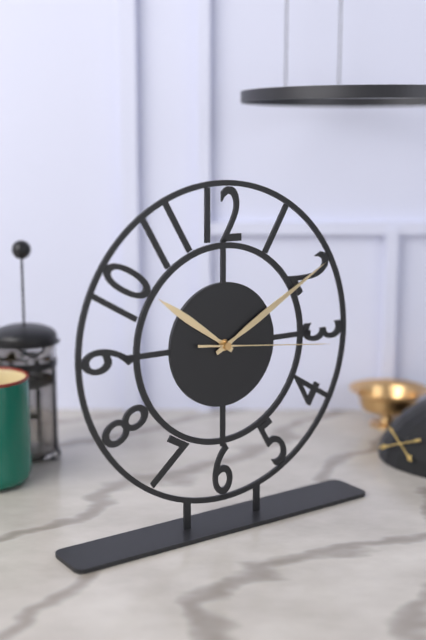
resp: 10h10m16s
